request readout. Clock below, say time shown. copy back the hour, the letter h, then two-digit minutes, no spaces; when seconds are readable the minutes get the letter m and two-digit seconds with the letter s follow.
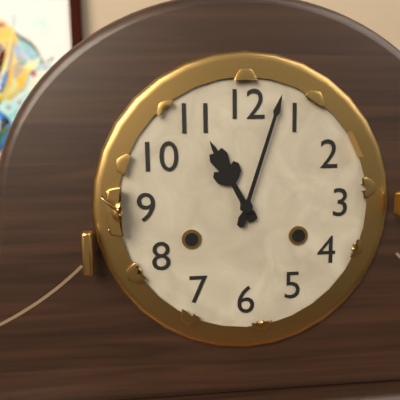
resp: 11h03
